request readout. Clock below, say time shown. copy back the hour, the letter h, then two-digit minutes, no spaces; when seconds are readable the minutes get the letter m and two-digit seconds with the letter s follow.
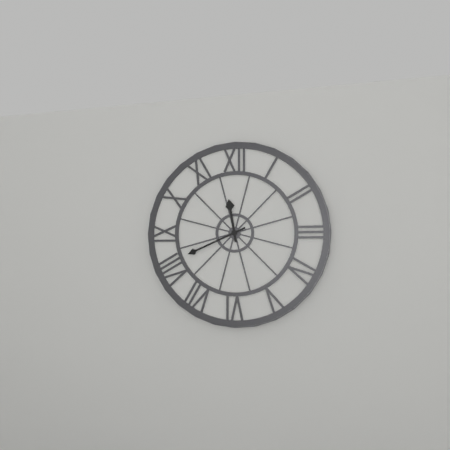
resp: 11h41
